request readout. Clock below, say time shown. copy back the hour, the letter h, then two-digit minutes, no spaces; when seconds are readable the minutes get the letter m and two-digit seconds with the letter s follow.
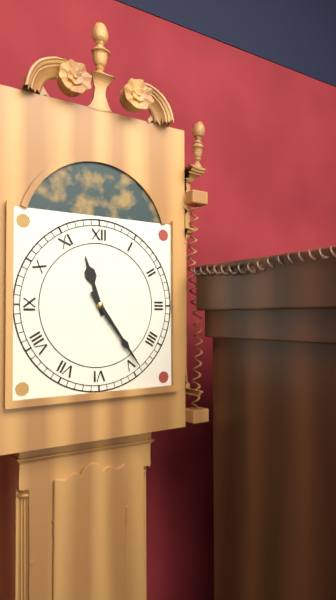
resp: 11h24
